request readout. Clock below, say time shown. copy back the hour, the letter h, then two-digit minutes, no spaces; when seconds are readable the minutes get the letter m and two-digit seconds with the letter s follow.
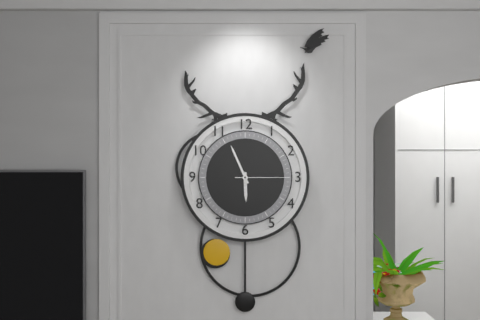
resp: 5h56m15s
